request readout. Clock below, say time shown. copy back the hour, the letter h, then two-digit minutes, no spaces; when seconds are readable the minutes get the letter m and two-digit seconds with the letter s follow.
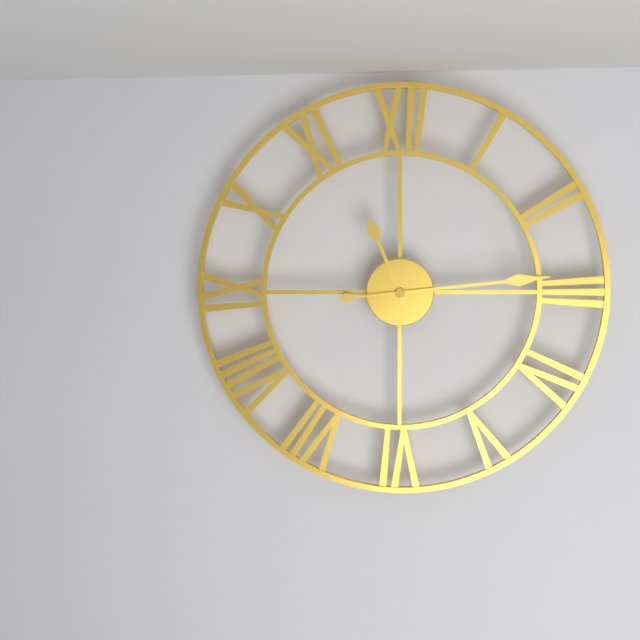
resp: 11h14
